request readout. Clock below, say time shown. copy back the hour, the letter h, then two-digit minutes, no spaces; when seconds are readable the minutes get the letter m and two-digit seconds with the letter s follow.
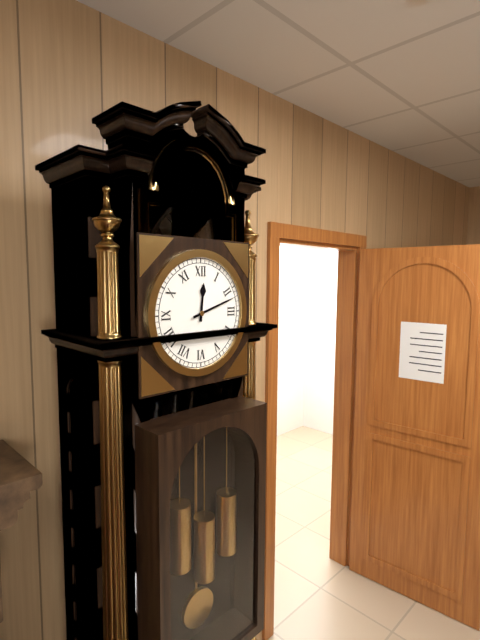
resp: 12h12
